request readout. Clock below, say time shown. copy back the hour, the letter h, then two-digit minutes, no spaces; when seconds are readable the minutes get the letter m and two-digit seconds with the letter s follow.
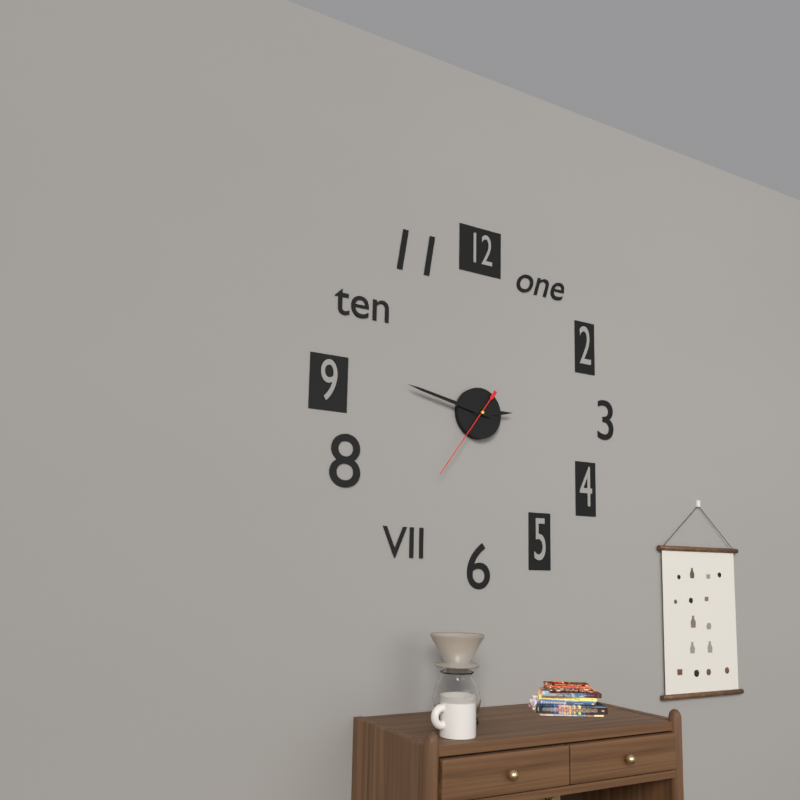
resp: 2h47m36s
